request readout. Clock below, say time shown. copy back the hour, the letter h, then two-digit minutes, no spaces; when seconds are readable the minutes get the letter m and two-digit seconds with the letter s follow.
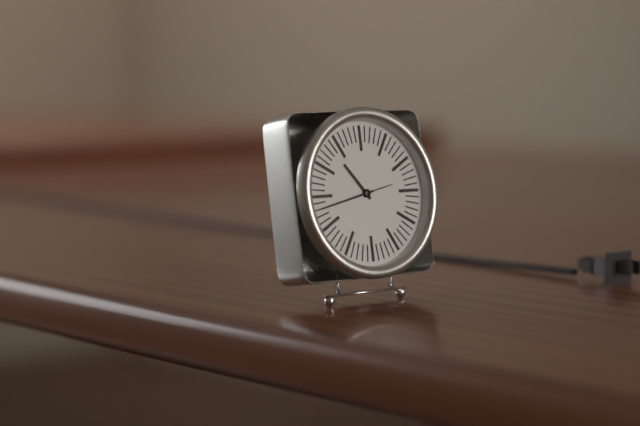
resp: 10h43
